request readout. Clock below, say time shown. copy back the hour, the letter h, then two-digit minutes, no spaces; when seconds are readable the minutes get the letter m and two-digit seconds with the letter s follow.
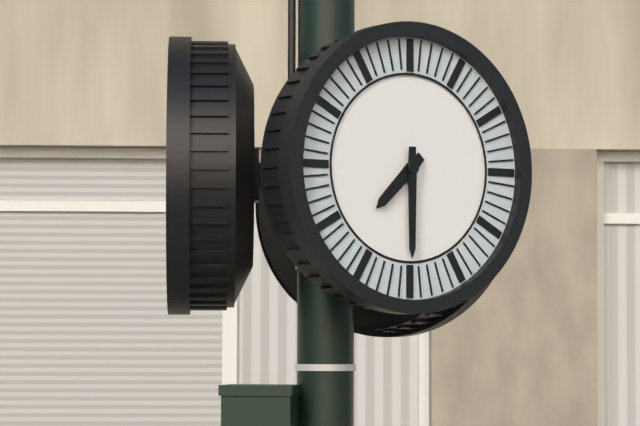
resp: 7h30
